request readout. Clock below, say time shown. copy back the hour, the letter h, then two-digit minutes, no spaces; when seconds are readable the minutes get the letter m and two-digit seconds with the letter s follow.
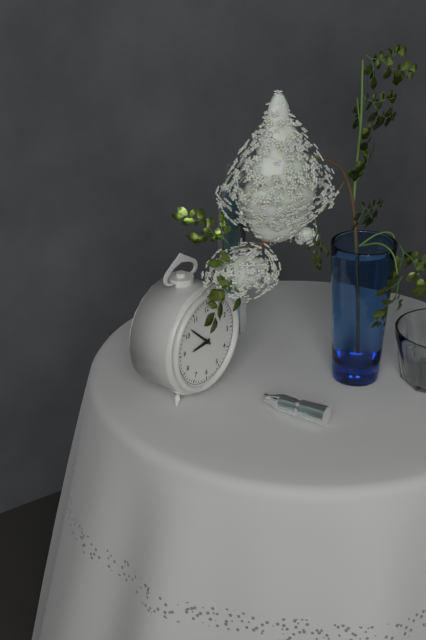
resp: 8h52
